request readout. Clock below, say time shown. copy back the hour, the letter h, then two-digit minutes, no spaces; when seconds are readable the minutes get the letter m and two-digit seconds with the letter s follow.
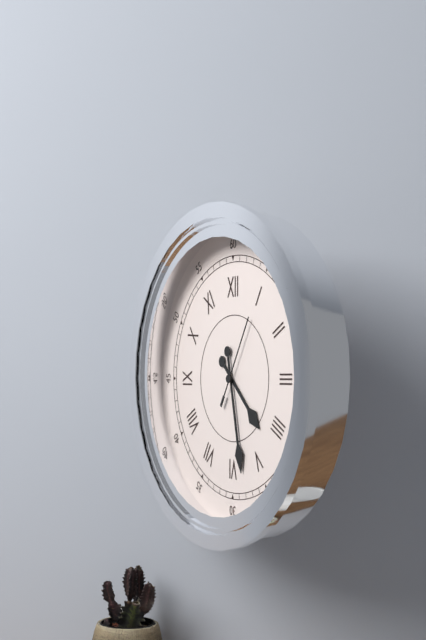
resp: 4h28m05s
